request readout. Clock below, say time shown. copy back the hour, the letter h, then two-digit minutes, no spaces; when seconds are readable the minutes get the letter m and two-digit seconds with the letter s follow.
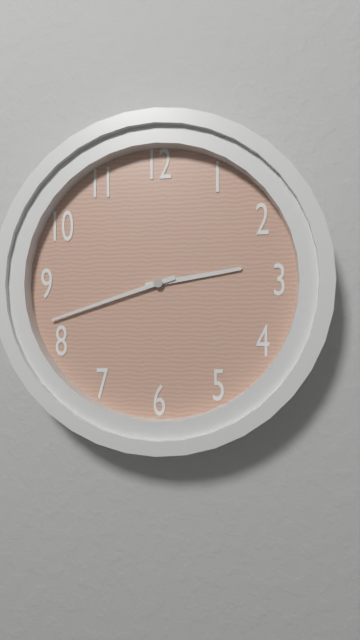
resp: 2h42
